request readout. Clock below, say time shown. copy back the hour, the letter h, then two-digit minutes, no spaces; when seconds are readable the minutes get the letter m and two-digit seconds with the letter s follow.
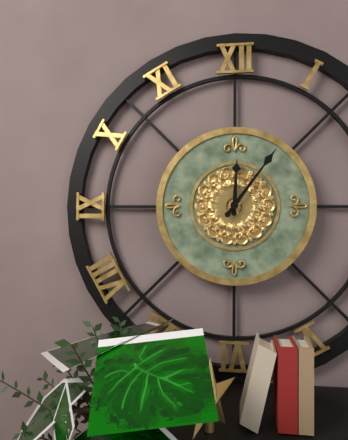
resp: 12h06
